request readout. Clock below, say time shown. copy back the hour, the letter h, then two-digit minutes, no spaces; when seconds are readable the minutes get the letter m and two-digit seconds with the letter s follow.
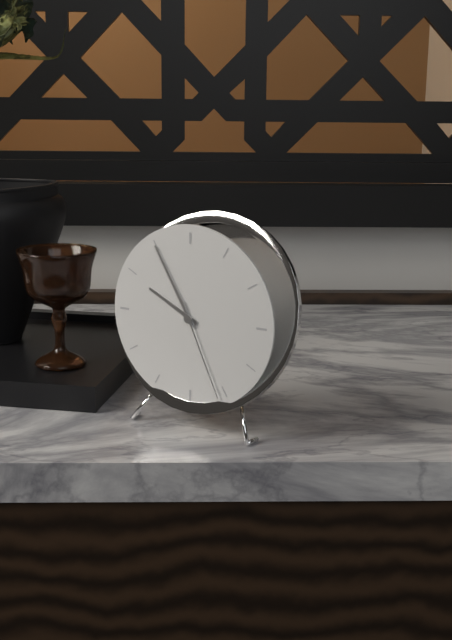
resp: 9h55m26s
